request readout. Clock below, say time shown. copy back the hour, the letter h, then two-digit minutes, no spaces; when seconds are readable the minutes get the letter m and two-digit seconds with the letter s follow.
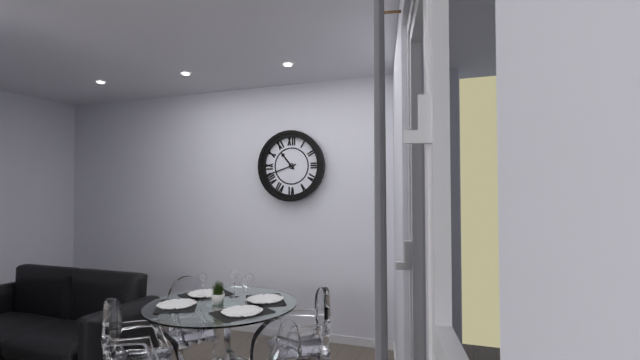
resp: 10h42
